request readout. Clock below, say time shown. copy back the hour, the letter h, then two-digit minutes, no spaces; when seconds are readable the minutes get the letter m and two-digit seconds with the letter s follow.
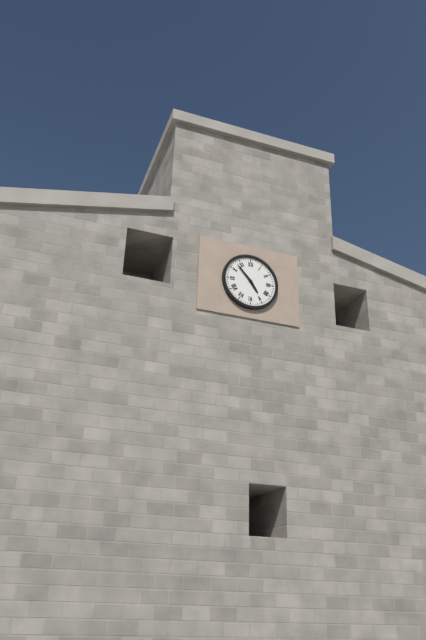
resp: 4h53
